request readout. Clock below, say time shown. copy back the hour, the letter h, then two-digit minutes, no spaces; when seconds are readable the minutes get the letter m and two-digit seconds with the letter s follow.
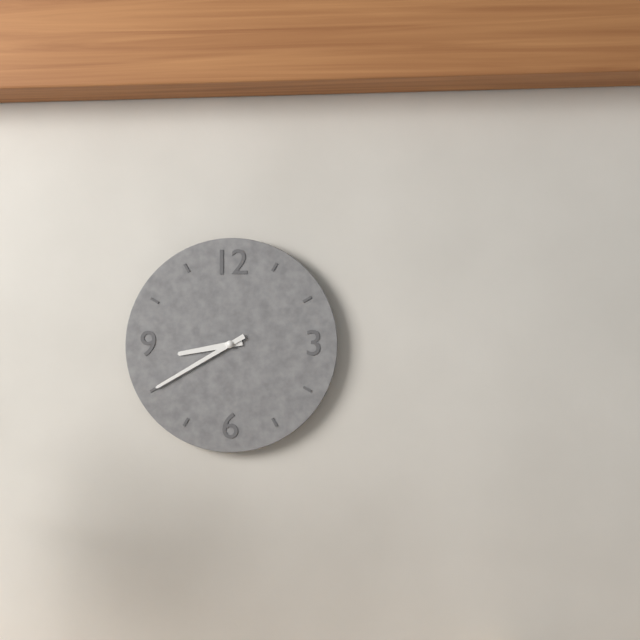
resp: 8h40
